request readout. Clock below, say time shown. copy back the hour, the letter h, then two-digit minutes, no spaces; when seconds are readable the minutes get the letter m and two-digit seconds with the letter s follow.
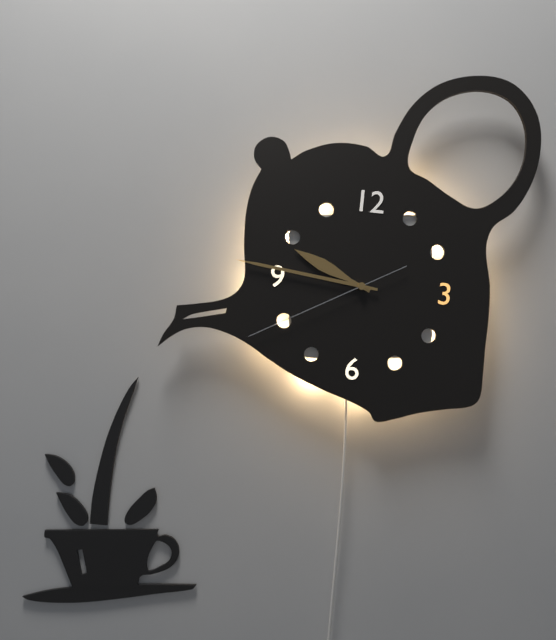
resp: 9h46m40s
